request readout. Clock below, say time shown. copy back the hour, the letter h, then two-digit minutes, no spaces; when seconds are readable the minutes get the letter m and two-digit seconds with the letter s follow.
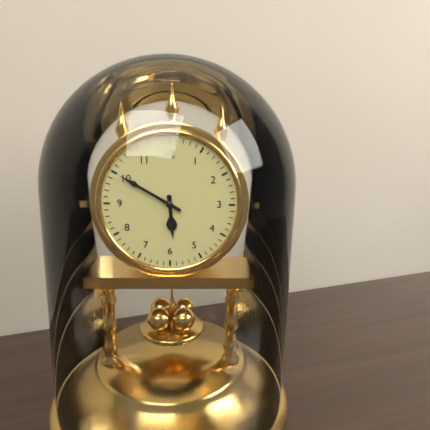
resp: 5h50
